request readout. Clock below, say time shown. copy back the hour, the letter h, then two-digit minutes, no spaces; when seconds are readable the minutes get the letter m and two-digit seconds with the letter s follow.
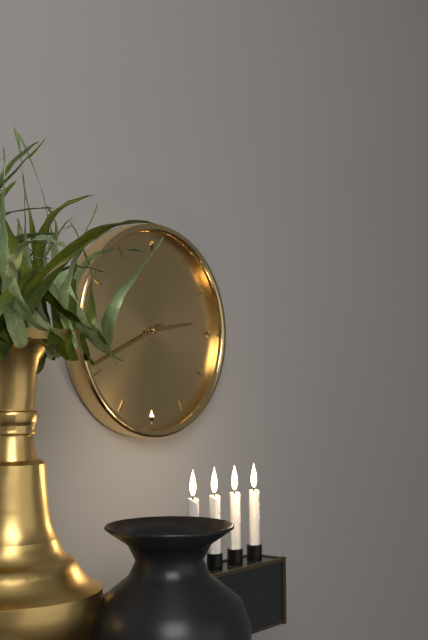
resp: 2h41
